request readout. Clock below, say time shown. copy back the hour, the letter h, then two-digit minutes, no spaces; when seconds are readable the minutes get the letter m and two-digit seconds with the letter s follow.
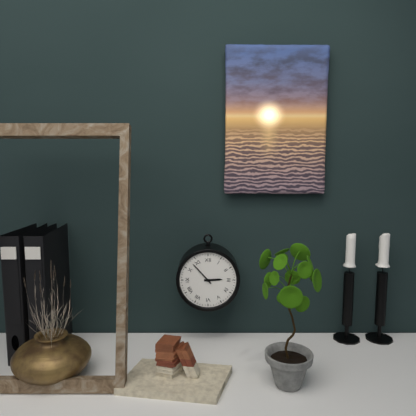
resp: 2h53
